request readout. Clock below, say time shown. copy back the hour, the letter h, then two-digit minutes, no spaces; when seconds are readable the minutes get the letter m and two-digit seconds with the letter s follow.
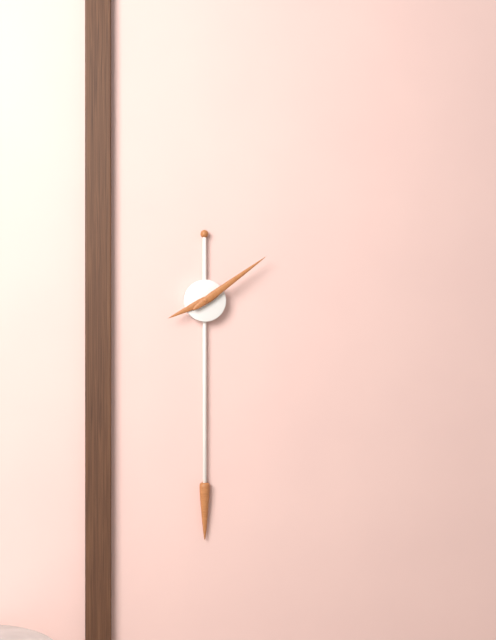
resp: 8h09
